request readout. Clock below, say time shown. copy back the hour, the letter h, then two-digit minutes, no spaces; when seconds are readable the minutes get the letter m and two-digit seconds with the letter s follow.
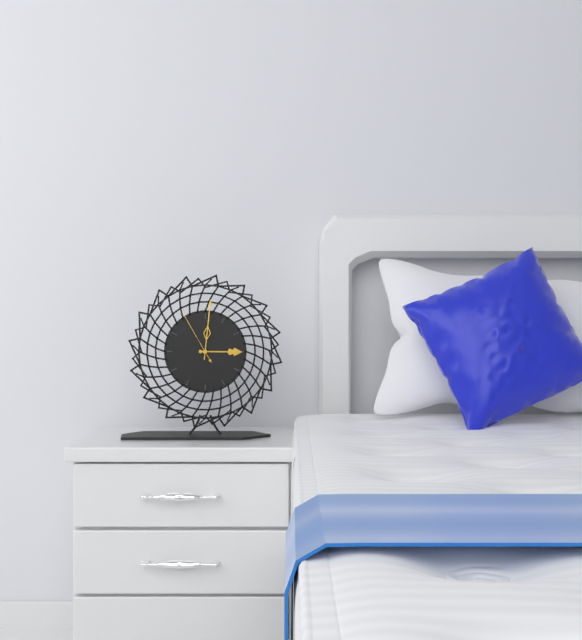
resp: 3h01m55s
